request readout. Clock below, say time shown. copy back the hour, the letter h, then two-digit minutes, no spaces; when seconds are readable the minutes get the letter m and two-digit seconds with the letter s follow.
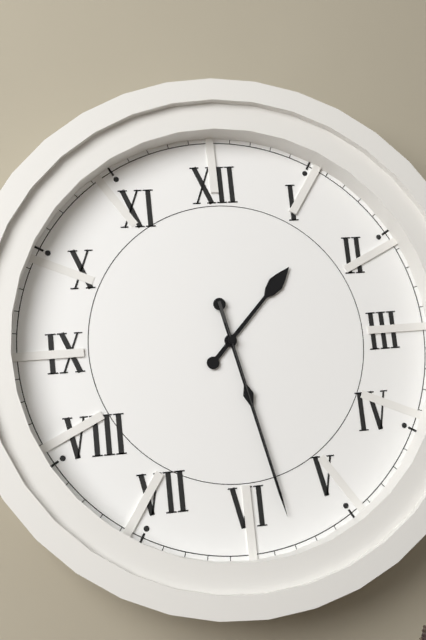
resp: 1h28m28s
